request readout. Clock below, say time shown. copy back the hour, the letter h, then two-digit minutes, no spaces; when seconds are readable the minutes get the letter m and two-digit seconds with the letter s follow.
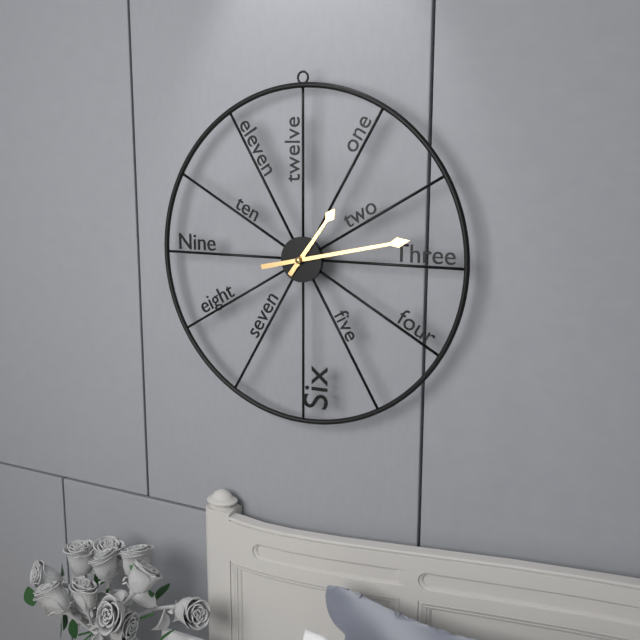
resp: 1h13
